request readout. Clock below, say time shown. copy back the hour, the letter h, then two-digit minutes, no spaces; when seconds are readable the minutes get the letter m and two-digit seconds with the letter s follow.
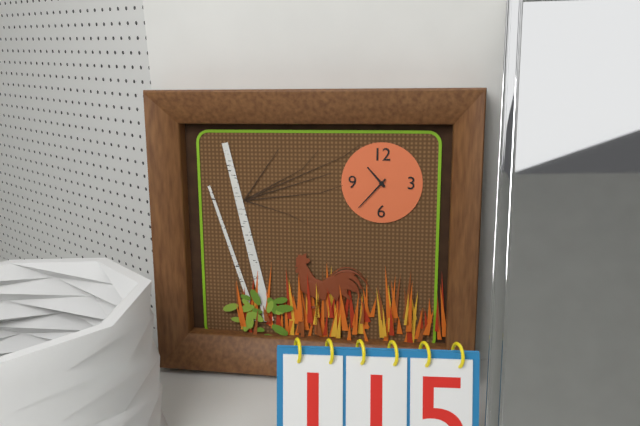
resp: 10h37
